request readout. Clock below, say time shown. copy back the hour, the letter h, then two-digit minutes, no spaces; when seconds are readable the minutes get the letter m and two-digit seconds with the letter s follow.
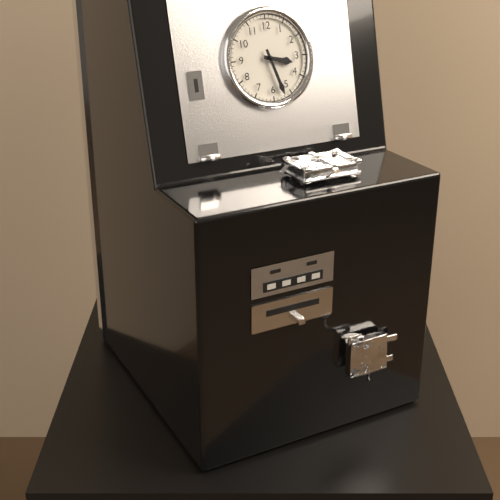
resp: 3h27
